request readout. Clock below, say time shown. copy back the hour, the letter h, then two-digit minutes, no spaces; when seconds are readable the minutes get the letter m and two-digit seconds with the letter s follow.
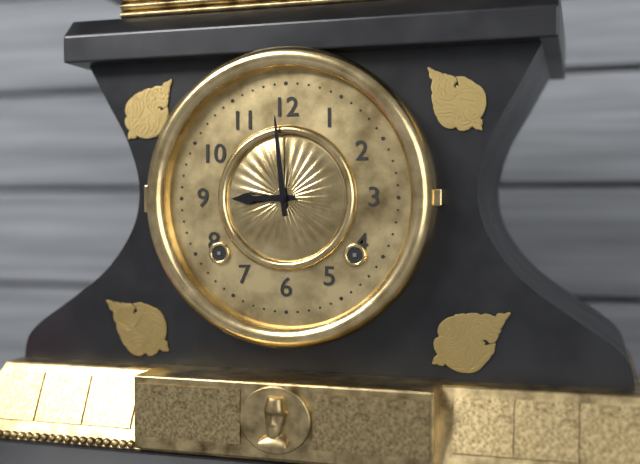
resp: 8h59
